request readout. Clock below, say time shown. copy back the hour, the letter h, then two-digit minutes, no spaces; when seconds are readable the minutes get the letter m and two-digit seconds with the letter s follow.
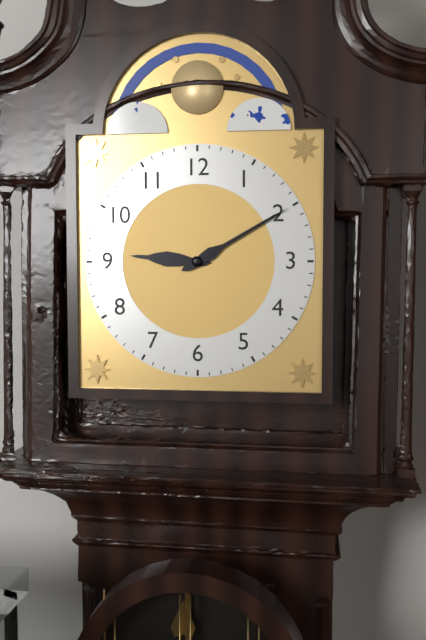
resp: 9h10
